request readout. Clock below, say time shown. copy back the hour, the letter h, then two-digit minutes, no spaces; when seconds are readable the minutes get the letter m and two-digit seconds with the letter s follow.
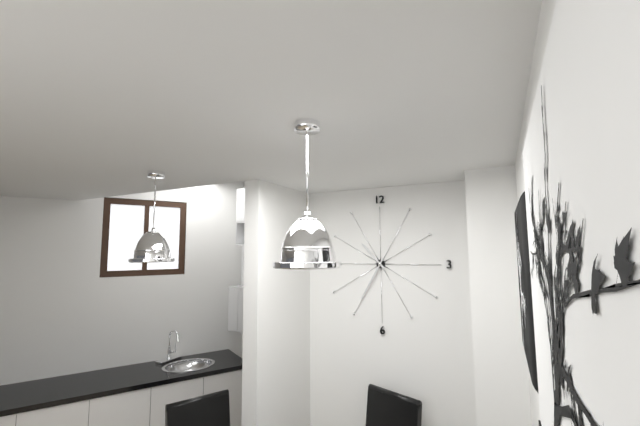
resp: 10h35
